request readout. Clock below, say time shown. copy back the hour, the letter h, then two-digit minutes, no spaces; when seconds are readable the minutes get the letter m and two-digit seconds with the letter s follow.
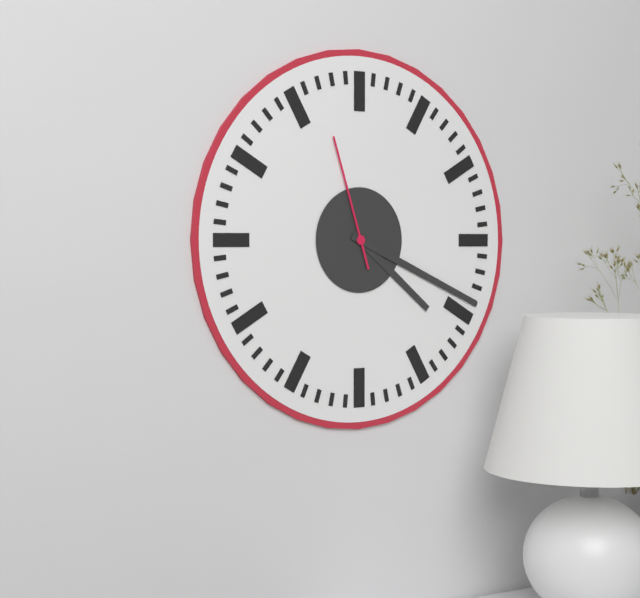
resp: 4h19m57s
